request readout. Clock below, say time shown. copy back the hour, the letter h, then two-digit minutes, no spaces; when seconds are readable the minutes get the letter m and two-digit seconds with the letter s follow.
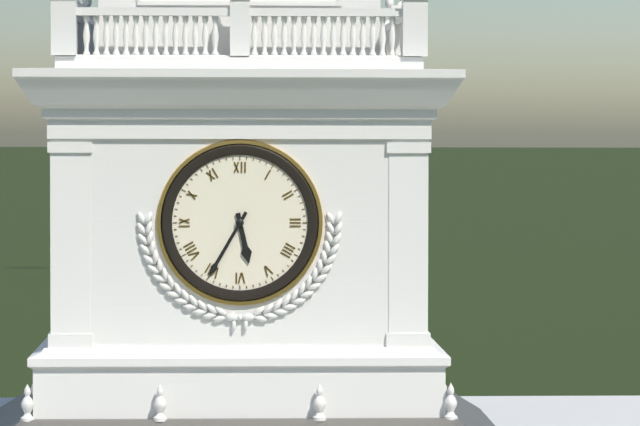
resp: 5h35
